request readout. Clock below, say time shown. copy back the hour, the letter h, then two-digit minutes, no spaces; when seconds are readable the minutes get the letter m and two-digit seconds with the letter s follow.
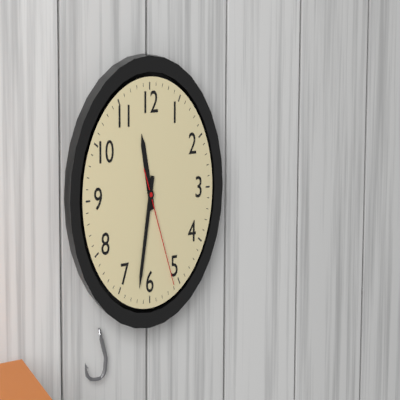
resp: 11h32m26s
